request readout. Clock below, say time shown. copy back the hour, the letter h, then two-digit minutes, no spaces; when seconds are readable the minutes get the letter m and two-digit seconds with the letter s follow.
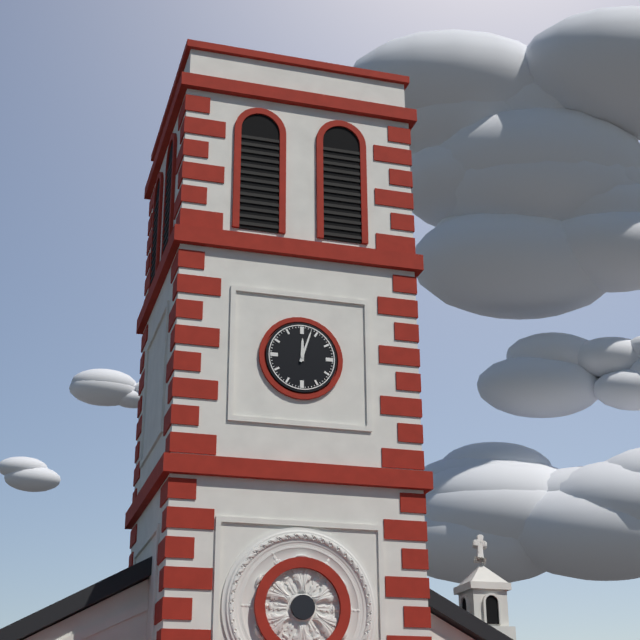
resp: 12h03
